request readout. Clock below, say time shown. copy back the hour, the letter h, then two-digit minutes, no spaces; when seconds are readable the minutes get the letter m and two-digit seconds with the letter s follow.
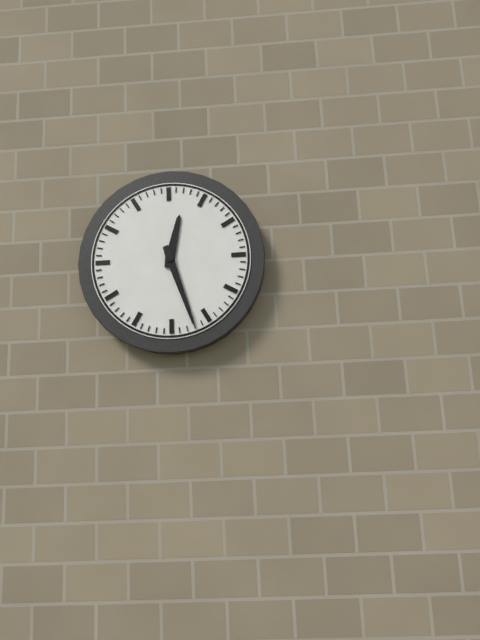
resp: 12h27
